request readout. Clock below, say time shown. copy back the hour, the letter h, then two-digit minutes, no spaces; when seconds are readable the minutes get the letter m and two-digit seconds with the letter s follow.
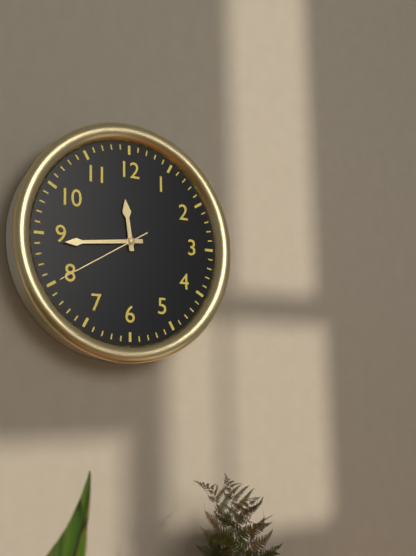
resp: 11h44m40s
